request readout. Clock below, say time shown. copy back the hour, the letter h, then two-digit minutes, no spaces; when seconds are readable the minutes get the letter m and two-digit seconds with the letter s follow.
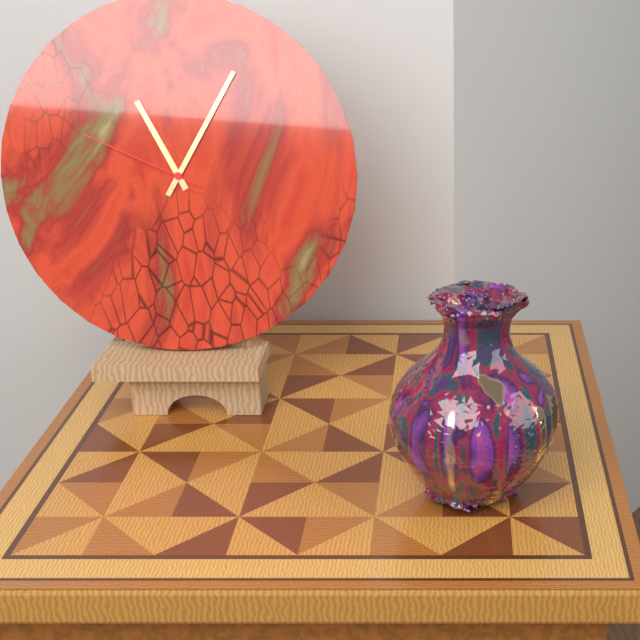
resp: 11h05m49s
